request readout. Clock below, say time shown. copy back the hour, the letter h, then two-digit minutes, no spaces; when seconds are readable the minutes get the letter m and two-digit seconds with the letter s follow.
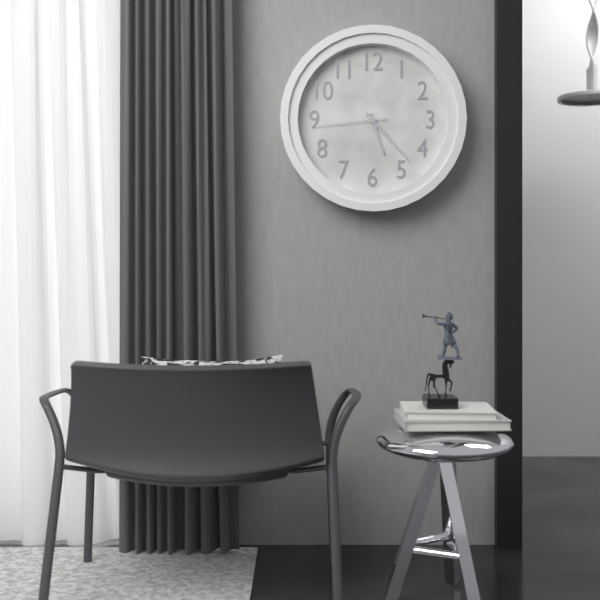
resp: 5h23m44s
